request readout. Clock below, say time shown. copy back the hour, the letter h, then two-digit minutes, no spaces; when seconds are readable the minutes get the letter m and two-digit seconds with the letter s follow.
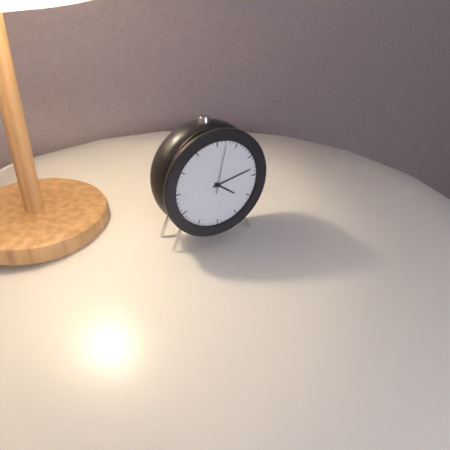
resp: 4h13m02s
